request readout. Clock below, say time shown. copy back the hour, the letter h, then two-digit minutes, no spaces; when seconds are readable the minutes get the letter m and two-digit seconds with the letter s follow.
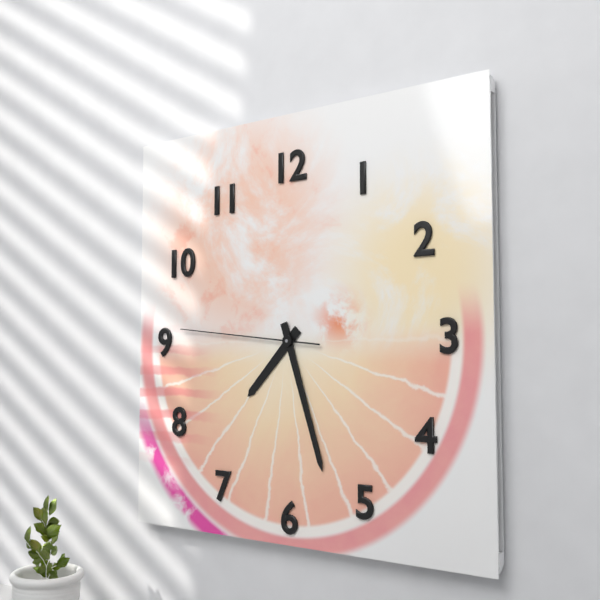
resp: 7h27m46s
